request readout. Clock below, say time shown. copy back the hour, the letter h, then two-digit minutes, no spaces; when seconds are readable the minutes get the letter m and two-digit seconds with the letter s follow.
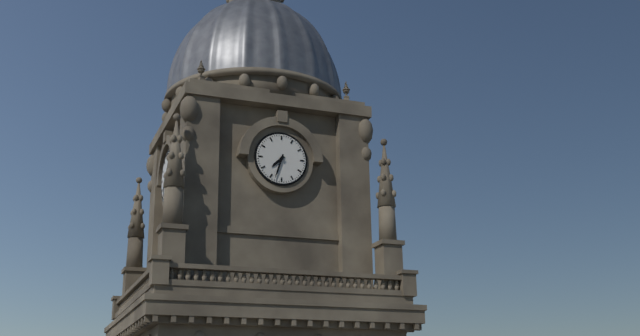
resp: 7h33
